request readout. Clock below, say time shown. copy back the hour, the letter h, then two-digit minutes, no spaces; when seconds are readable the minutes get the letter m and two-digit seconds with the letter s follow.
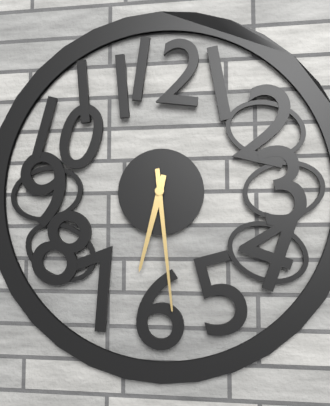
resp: 6h29
